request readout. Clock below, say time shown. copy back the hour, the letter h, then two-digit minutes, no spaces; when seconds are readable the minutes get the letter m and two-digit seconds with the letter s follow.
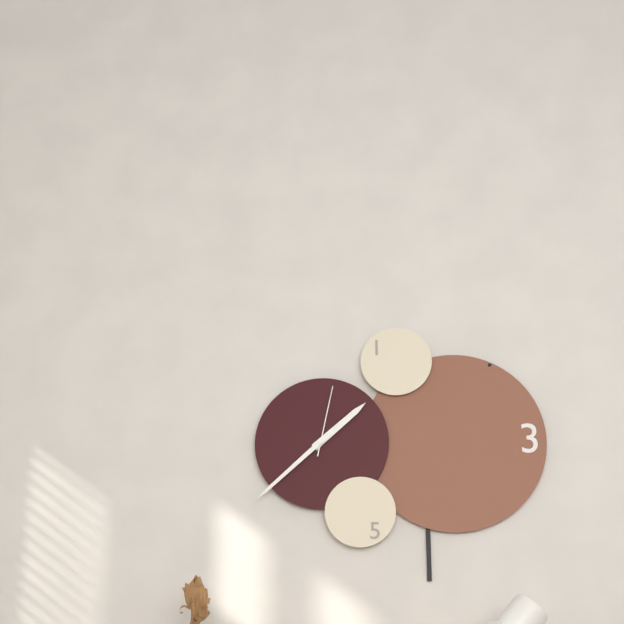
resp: 1h38m02s
